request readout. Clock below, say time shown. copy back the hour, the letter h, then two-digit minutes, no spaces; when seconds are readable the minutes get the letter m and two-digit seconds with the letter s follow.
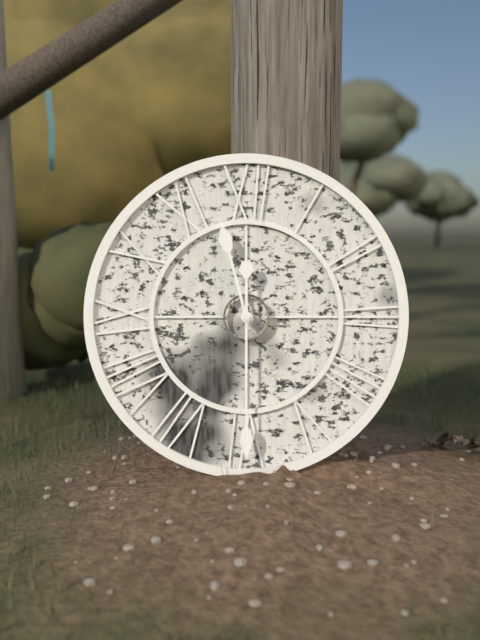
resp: 11h30
